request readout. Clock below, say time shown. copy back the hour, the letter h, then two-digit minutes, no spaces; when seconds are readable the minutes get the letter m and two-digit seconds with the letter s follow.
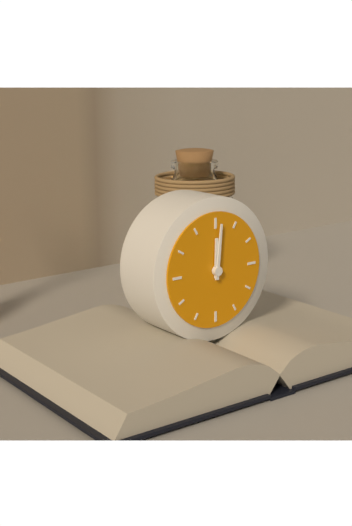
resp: 12h01
